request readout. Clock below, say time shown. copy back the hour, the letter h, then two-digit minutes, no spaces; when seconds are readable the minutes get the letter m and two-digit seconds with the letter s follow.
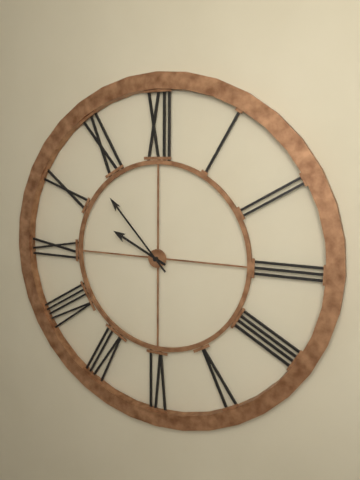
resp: 9h53
